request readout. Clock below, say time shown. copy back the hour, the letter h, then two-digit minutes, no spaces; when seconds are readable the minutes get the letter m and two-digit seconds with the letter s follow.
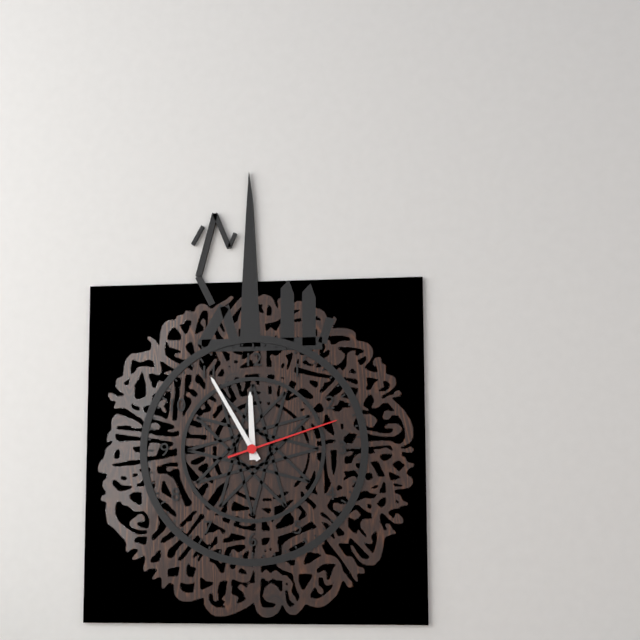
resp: 11h55m12s
